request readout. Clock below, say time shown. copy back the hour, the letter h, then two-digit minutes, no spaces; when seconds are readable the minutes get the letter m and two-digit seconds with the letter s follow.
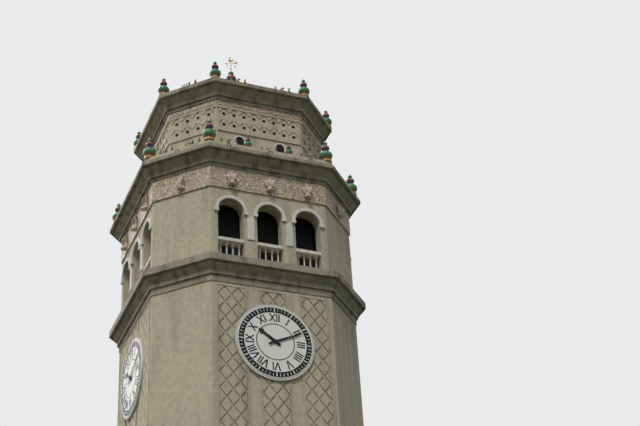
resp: 10h11
